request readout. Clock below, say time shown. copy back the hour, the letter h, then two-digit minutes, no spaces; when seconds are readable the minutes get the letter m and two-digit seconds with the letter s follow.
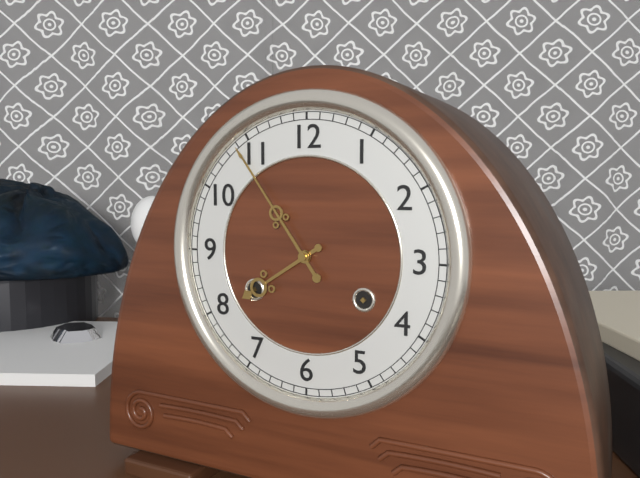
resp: 7h54
